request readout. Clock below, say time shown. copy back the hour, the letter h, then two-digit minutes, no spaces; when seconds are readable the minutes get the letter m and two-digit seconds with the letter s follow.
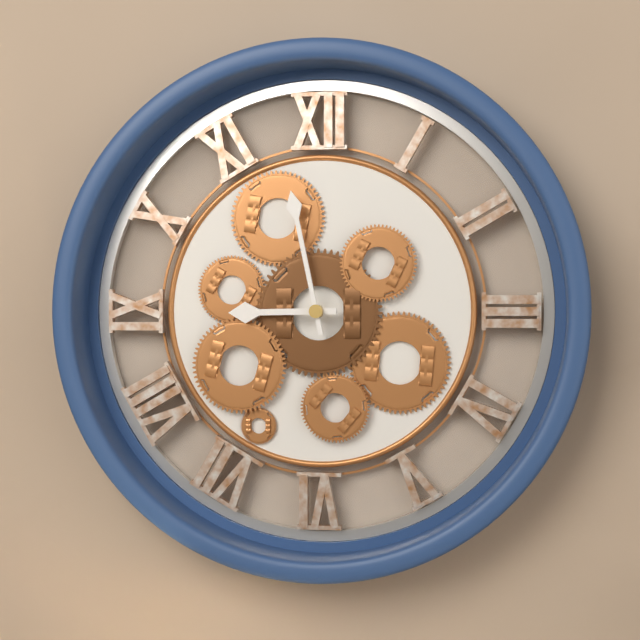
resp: 8h58
